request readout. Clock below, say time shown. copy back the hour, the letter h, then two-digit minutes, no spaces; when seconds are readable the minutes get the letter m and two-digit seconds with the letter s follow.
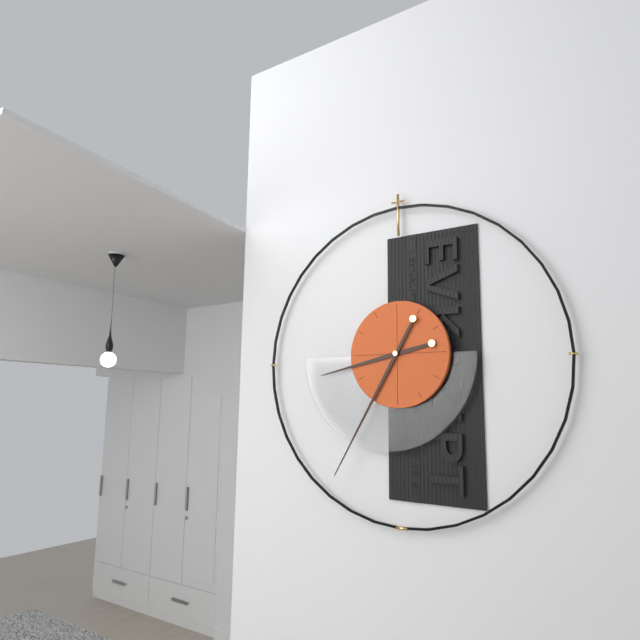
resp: 8h35
